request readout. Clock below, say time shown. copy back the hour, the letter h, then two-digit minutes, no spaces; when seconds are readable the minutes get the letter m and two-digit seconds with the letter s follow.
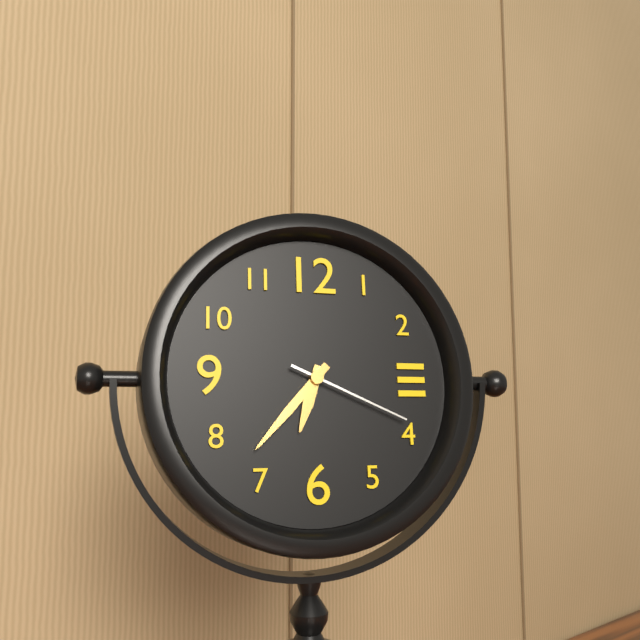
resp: 6h37m19s
